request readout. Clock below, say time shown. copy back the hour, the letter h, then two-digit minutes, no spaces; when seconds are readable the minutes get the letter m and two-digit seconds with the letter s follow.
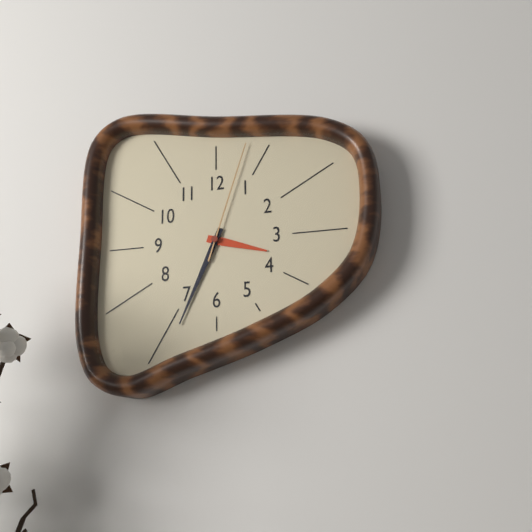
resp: 3h34m03s
